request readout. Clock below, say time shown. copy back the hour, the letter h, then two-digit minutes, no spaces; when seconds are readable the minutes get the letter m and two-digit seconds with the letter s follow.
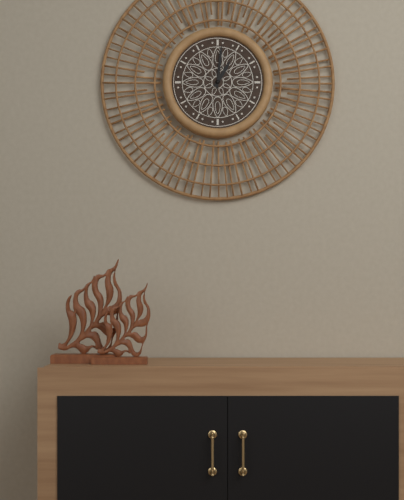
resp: 1h01
